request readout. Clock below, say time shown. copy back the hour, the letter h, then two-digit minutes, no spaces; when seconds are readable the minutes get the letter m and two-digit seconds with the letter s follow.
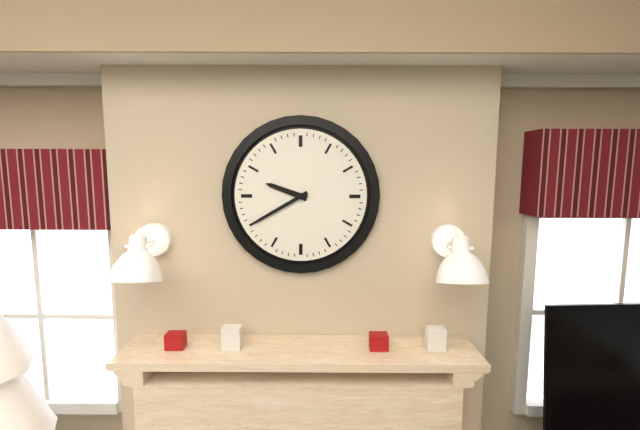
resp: 9h40
